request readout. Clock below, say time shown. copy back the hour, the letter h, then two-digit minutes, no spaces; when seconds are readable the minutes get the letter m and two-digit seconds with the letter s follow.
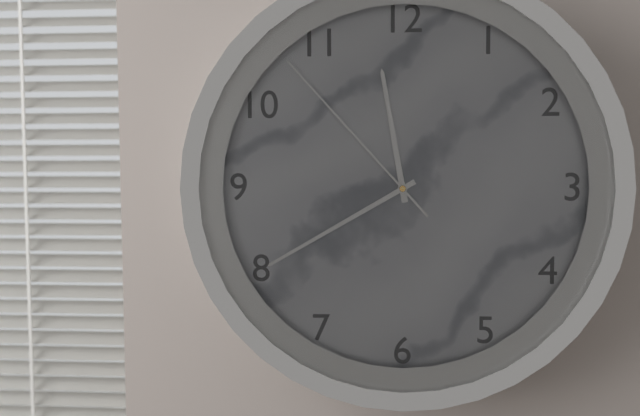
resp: 11h40m53s
